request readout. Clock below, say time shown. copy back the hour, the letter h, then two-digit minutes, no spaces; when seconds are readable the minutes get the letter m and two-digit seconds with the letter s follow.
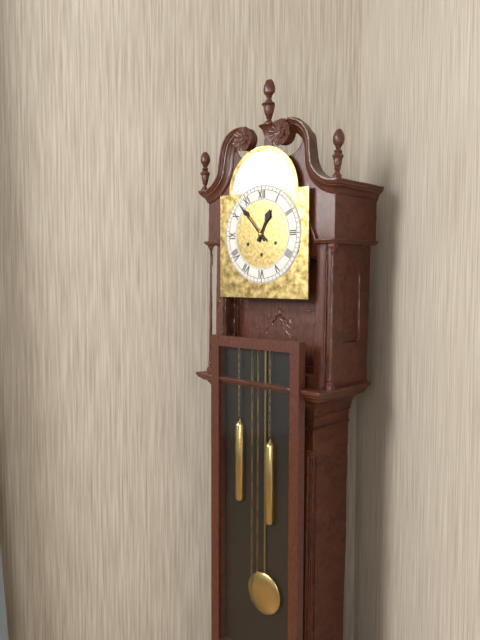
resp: 12h53
